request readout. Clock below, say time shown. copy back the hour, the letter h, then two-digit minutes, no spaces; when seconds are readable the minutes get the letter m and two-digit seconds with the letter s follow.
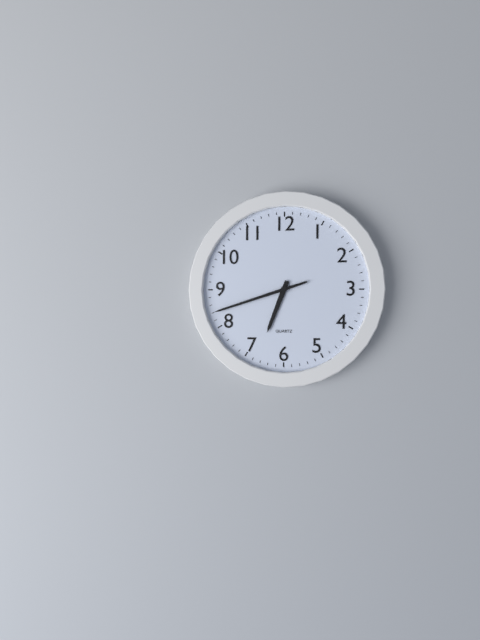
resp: 6h42
